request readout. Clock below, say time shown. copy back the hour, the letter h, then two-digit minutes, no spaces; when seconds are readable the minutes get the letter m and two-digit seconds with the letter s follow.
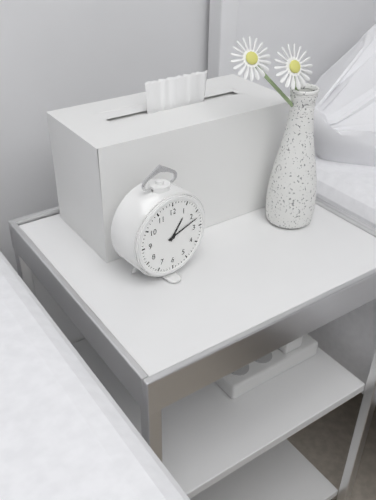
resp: 1h12
